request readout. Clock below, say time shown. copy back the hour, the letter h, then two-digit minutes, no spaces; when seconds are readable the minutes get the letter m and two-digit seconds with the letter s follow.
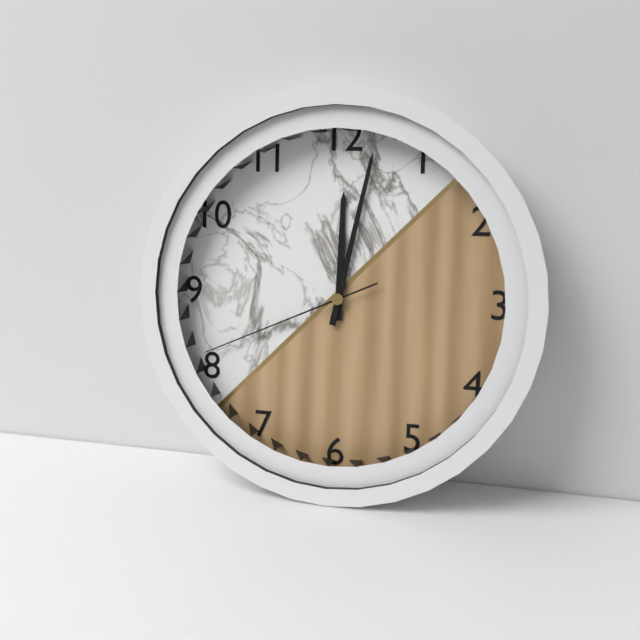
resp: 12h02m41s
